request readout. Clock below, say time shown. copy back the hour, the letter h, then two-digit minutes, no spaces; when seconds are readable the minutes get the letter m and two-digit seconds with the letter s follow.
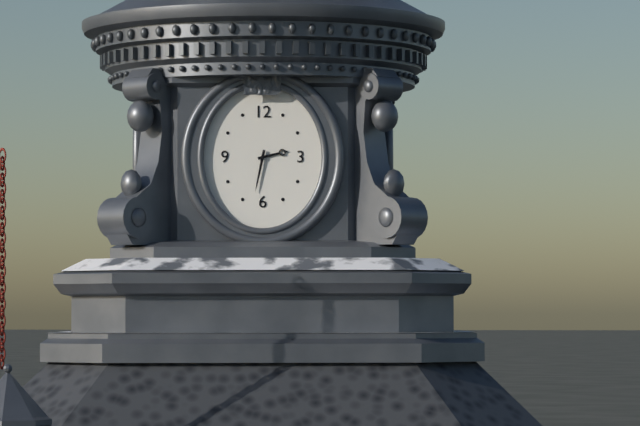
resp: 2h32
